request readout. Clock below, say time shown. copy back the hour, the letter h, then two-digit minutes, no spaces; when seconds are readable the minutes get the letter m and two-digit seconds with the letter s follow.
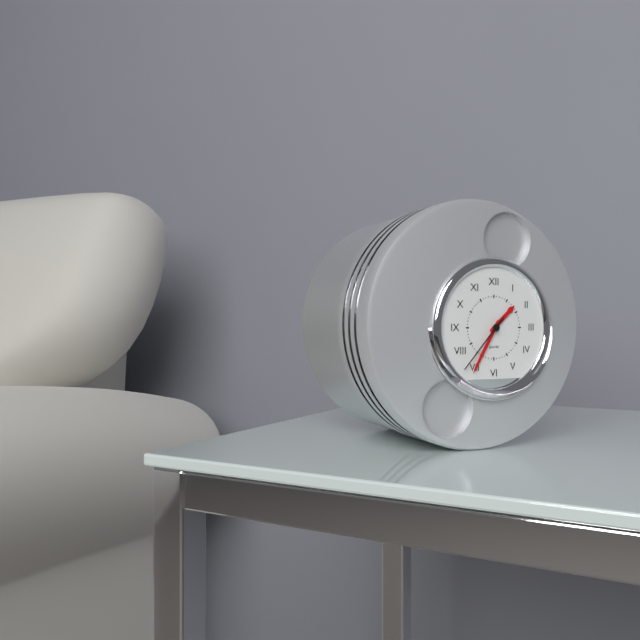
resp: 1h35m37s
